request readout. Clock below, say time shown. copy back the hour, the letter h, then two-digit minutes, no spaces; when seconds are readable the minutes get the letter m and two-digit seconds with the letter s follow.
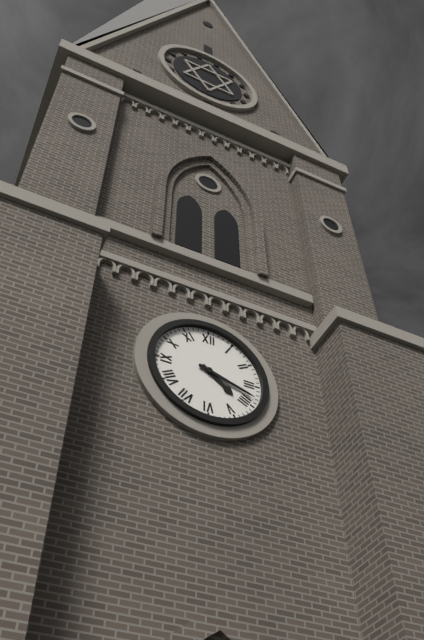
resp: 4h18
